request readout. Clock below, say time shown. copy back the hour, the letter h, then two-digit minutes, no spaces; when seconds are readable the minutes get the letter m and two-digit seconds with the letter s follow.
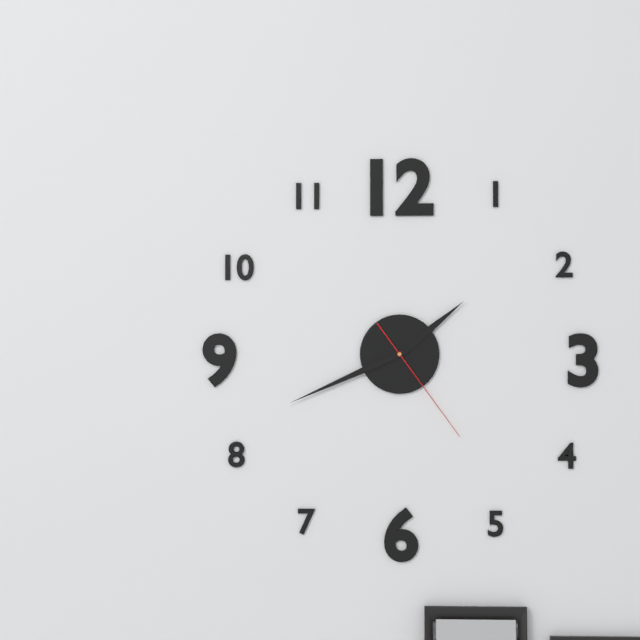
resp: 1h41m24s
